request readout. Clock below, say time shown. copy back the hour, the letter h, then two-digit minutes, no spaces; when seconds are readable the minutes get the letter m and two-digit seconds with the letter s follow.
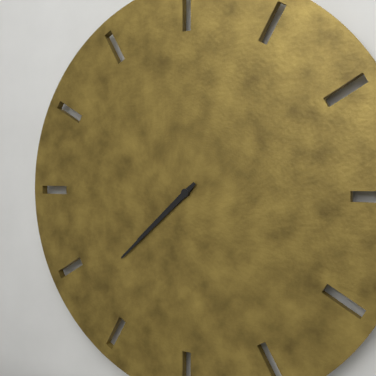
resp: 7h38
